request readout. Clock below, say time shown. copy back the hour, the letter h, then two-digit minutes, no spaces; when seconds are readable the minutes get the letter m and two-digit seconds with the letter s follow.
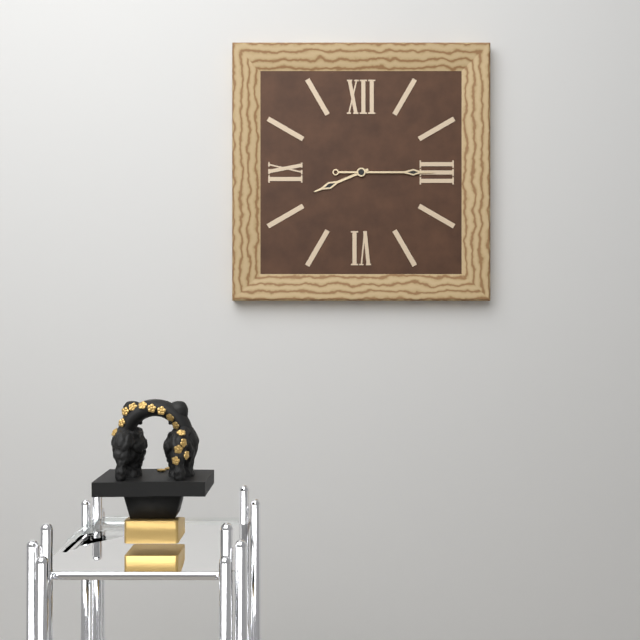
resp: 8h15
